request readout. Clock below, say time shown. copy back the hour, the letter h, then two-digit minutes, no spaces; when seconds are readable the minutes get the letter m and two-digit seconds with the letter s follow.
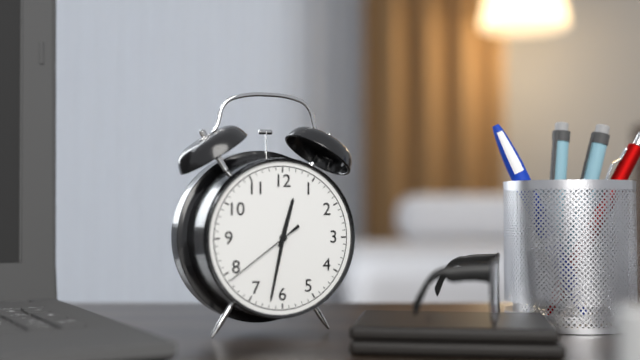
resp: 12h32m39s
